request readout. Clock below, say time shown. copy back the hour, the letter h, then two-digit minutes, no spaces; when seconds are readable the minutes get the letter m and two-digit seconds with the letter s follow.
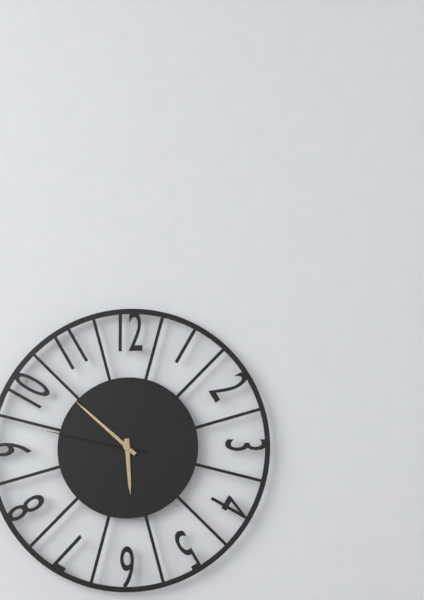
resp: 5h52m47s
